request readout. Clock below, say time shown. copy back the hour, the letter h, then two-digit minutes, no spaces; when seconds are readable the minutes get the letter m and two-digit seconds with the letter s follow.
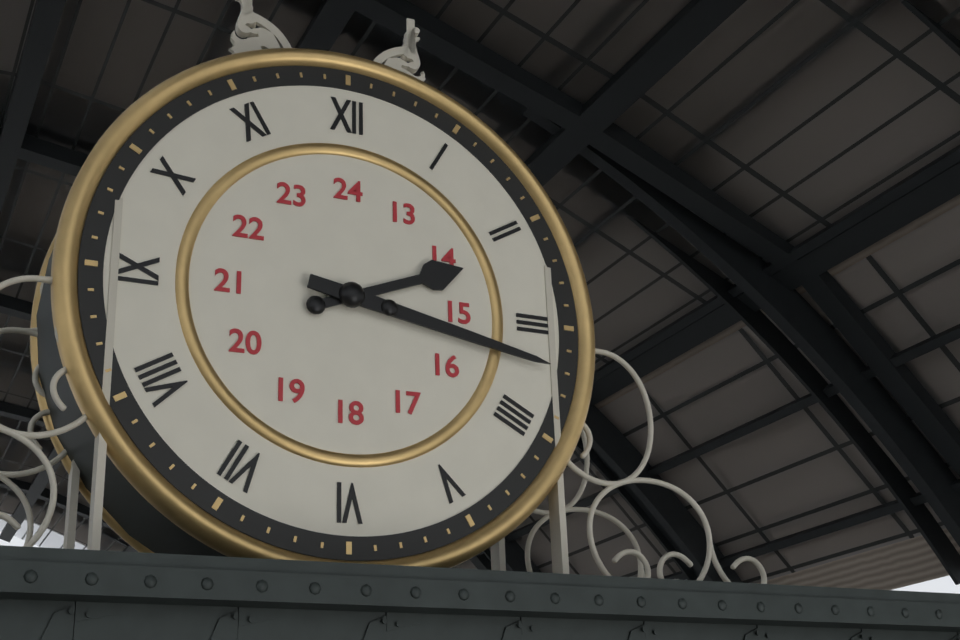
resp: 2h17
